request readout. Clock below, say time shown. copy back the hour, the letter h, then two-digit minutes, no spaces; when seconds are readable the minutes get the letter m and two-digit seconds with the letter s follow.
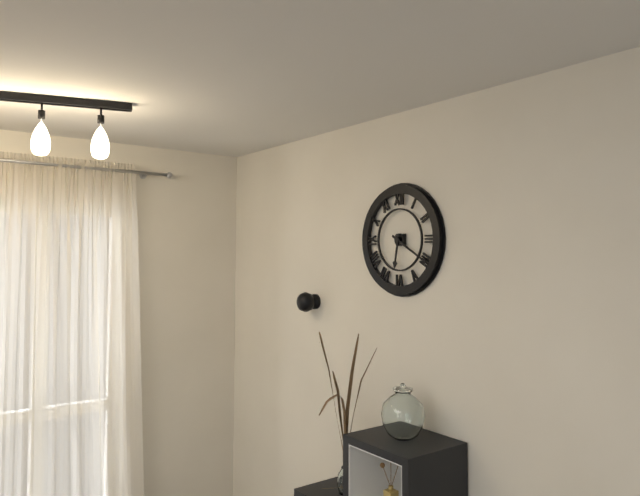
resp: 6h20
